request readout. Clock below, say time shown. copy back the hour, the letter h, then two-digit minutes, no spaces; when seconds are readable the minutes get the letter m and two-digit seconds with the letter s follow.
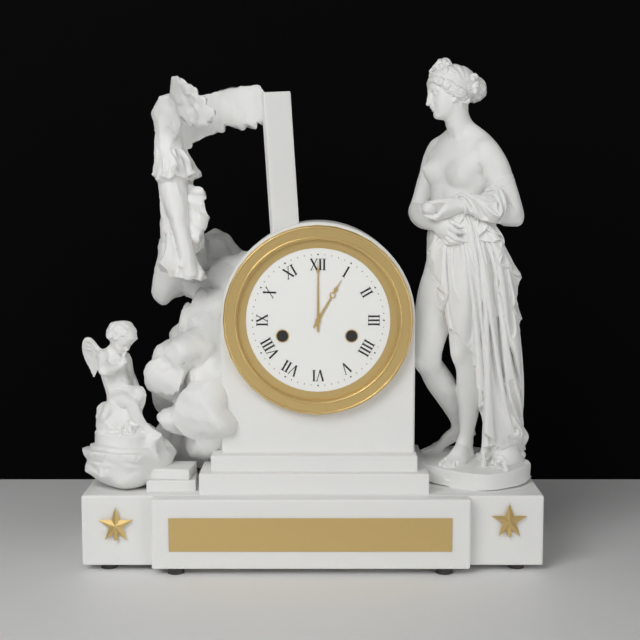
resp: 1h00
